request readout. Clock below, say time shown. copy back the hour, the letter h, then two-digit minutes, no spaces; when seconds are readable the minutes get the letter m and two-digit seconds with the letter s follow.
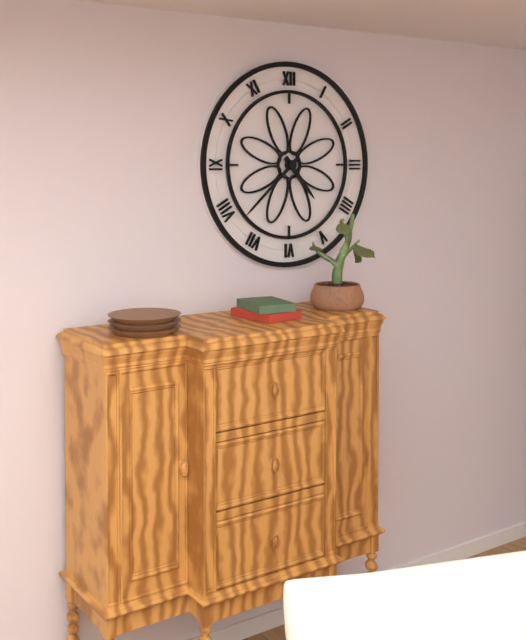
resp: 4h38
